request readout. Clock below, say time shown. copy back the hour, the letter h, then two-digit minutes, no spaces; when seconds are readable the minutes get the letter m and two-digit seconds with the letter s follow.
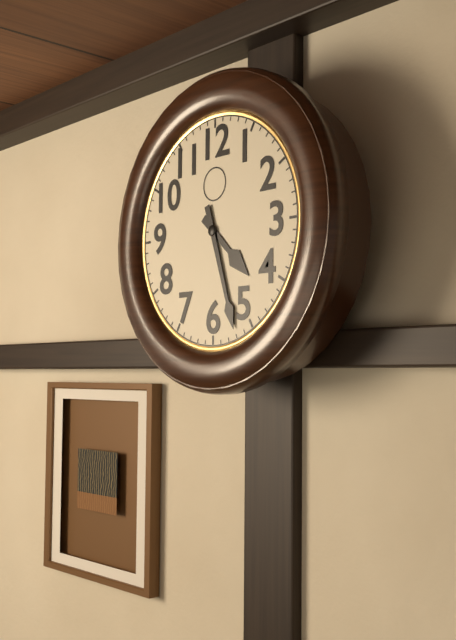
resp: 4h27
